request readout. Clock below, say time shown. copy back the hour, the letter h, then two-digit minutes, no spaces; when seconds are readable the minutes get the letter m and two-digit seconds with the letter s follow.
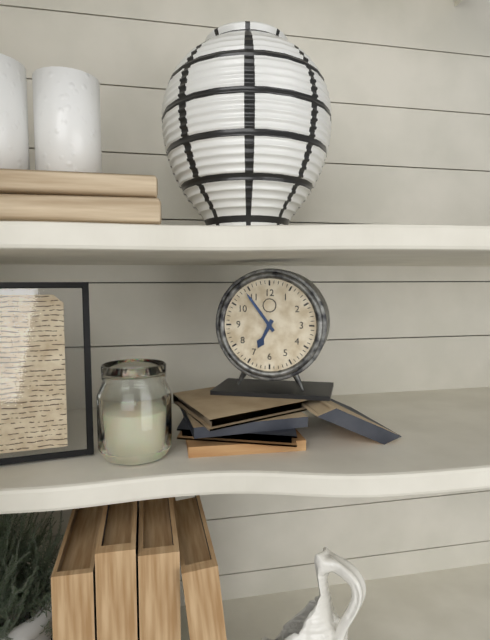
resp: 6h54
